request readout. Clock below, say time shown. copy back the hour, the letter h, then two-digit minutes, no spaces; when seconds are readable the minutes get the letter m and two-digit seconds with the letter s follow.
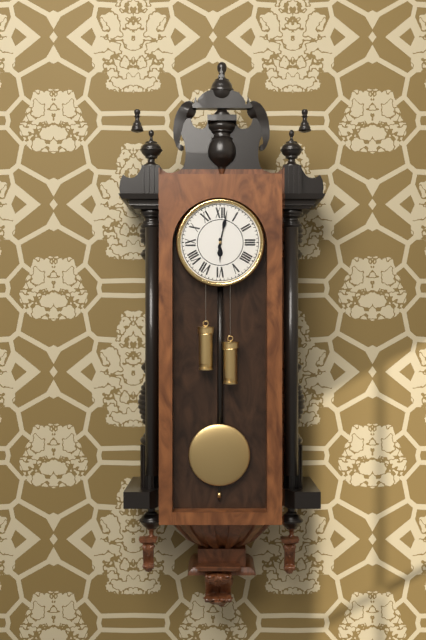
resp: 6h02
